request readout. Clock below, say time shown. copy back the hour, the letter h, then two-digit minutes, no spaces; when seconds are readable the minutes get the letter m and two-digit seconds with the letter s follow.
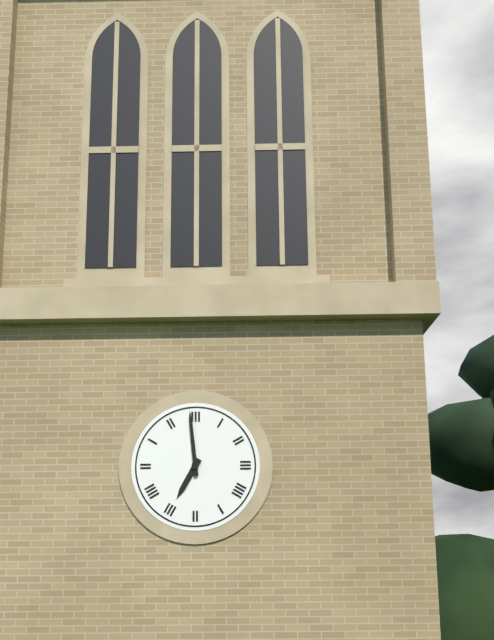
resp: 6h59
